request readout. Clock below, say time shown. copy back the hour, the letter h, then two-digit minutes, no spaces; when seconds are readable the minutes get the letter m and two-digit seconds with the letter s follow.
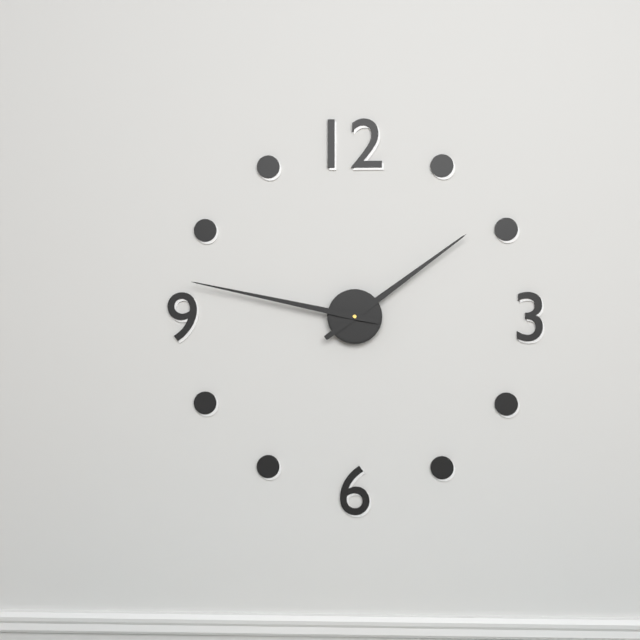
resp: 1h47
